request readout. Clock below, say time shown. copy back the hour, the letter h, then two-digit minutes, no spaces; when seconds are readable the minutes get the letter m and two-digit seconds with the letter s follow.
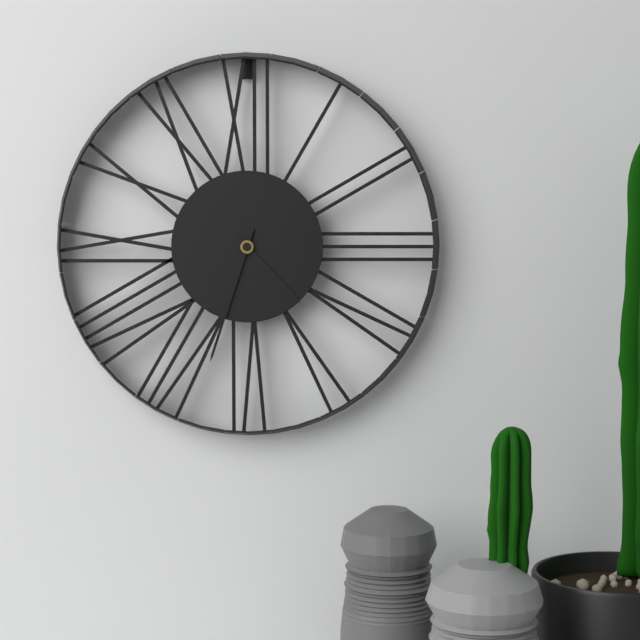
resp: 4h33
